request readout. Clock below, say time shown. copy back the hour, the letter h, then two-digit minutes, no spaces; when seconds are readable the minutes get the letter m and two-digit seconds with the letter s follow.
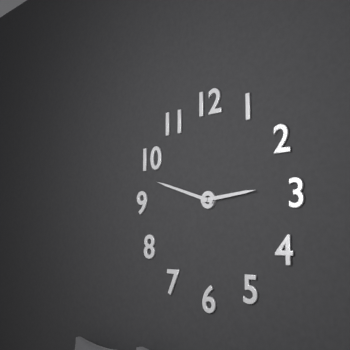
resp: 2h48
